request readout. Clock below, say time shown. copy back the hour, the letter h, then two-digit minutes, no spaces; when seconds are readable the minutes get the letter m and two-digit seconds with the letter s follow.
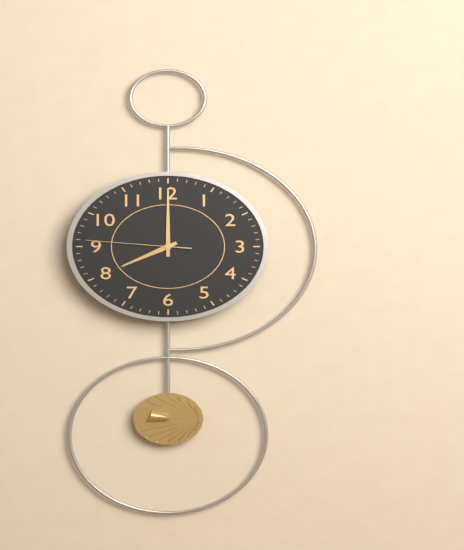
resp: 8h00m46s
